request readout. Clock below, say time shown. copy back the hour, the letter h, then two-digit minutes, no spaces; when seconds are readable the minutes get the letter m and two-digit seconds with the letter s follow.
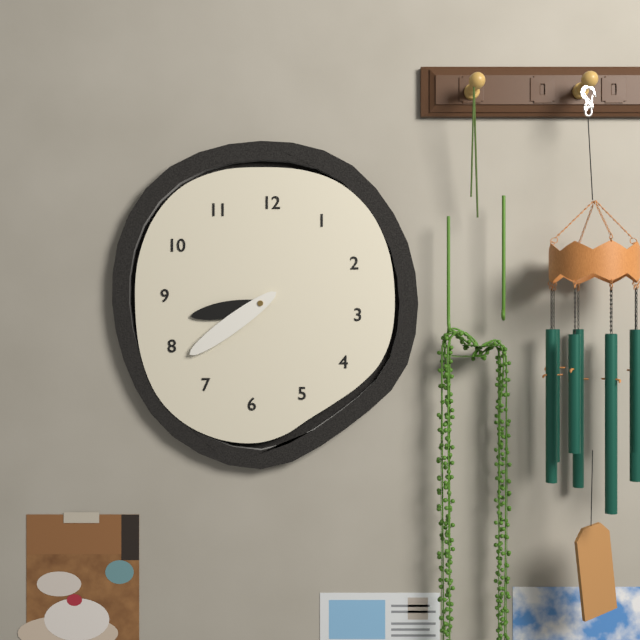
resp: 8h39
